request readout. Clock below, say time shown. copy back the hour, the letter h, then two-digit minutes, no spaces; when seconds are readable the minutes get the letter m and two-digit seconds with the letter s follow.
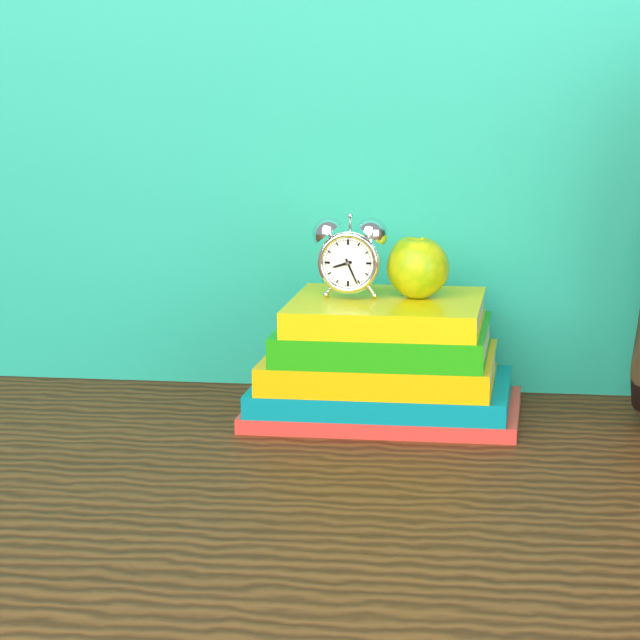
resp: 8h26
